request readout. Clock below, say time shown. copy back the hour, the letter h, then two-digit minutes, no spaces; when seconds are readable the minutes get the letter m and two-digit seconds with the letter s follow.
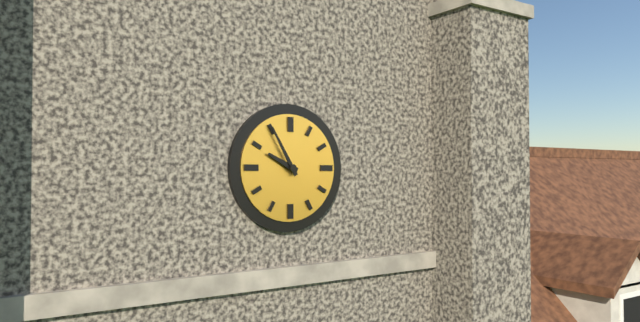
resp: 9h55
